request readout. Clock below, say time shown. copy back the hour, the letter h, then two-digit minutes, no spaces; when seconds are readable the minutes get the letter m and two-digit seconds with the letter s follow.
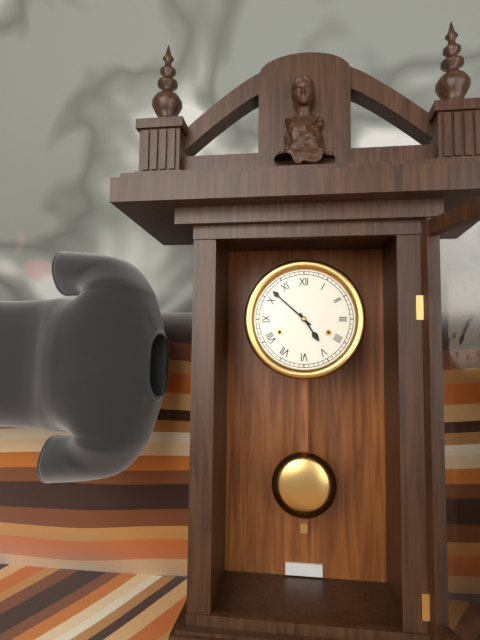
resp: 4h52
